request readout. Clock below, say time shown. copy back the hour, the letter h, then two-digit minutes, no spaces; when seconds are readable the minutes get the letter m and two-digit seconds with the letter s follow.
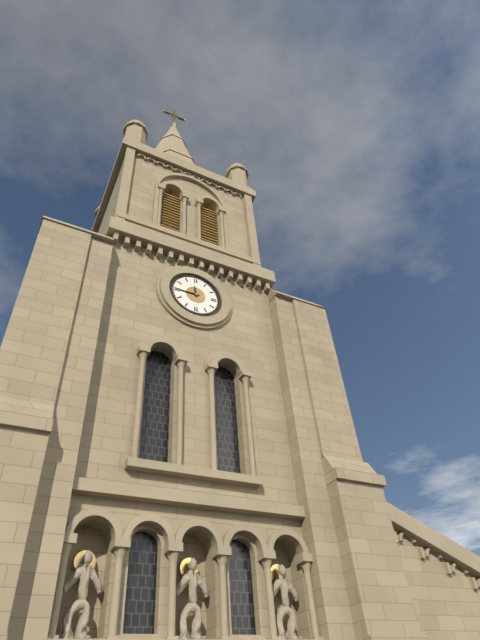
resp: 11h45
